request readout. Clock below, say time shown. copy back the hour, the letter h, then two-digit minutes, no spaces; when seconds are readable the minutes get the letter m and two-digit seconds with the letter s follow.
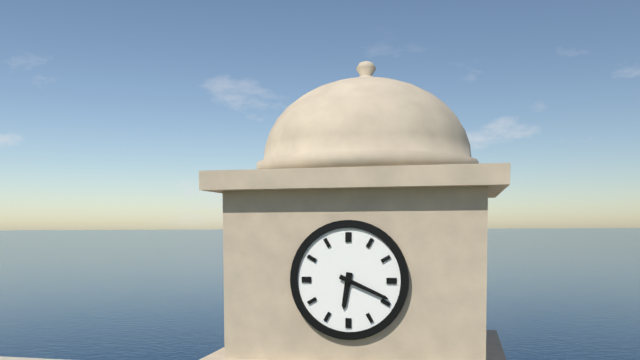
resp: 6h19
